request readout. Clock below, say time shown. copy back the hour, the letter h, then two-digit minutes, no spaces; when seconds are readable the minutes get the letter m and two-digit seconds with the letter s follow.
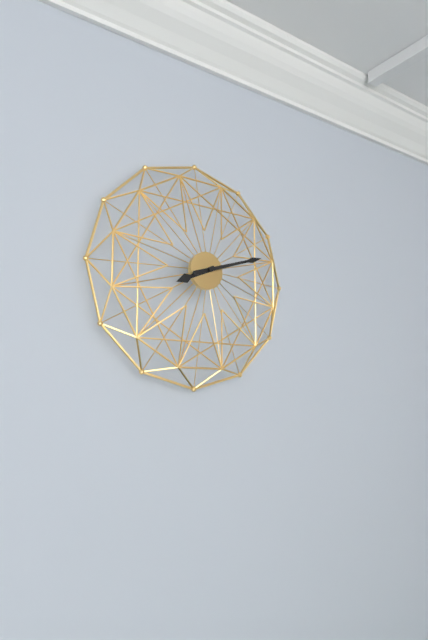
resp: 8h12
